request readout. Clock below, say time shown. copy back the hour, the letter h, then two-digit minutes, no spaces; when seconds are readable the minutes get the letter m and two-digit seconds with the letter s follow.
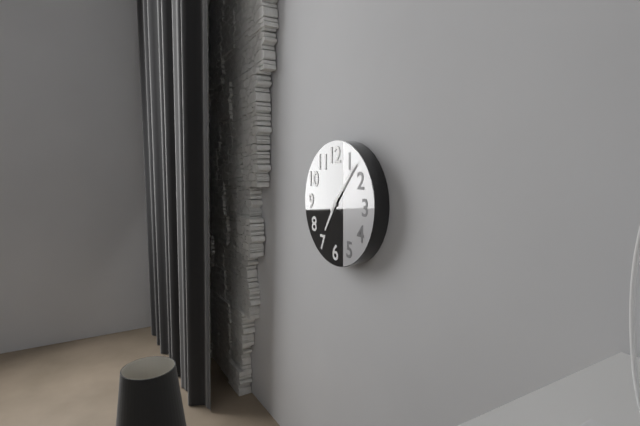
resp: 7h07
